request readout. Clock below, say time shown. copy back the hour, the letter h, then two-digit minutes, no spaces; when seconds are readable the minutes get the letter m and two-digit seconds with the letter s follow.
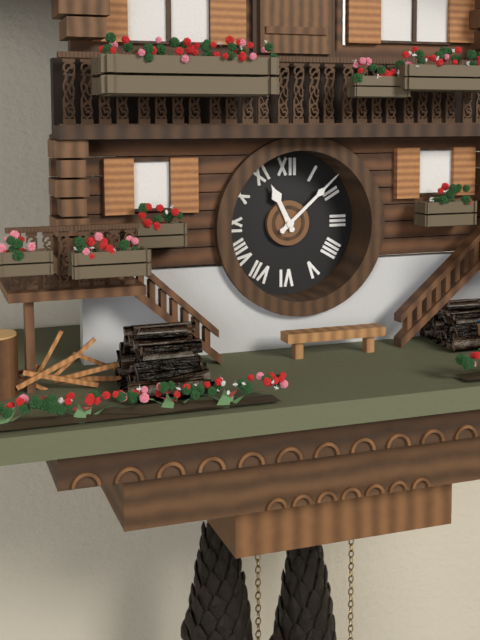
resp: 11h08
